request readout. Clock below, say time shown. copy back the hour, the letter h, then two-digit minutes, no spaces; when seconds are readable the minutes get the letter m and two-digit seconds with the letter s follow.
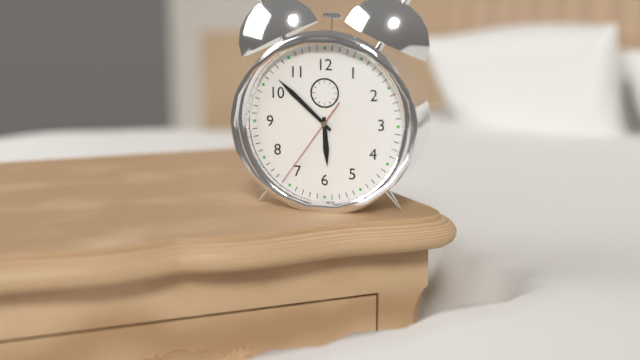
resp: 5h52m36s
